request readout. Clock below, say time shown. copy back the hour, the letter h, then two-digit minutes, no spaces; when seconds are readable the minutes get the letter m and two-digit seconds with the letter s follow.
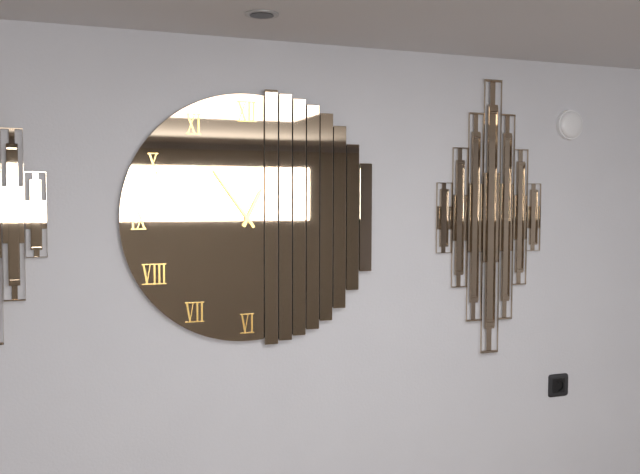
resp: 12h54
